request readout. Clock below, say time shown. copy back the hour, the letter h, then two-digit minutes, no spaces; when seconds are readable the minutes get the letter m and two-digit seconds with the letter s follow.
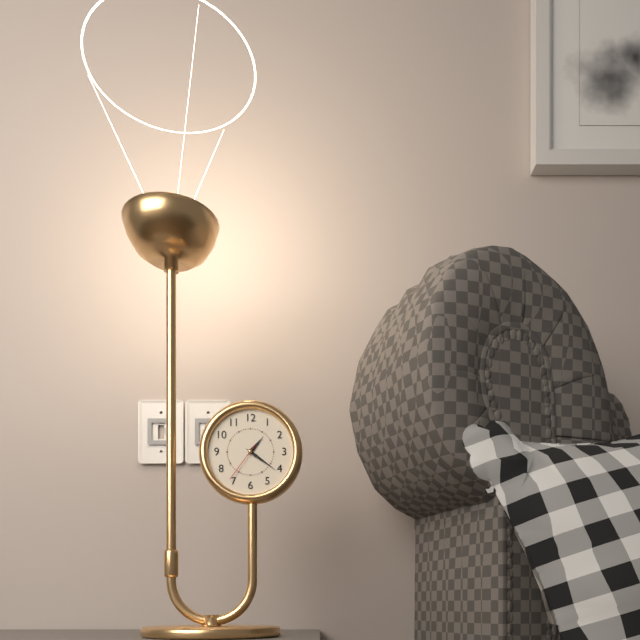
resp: 1h21
